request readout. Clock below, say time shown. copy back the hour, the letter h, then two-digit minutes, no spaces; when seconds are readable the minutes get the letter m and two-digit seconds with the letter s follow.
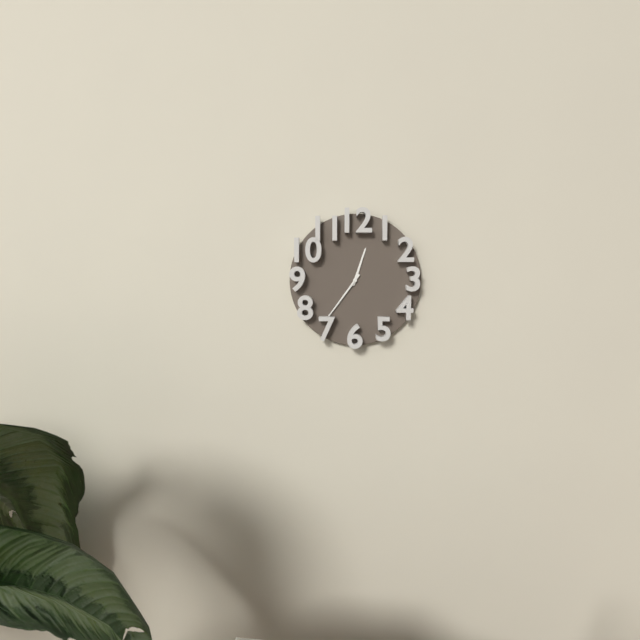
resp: 12h36
